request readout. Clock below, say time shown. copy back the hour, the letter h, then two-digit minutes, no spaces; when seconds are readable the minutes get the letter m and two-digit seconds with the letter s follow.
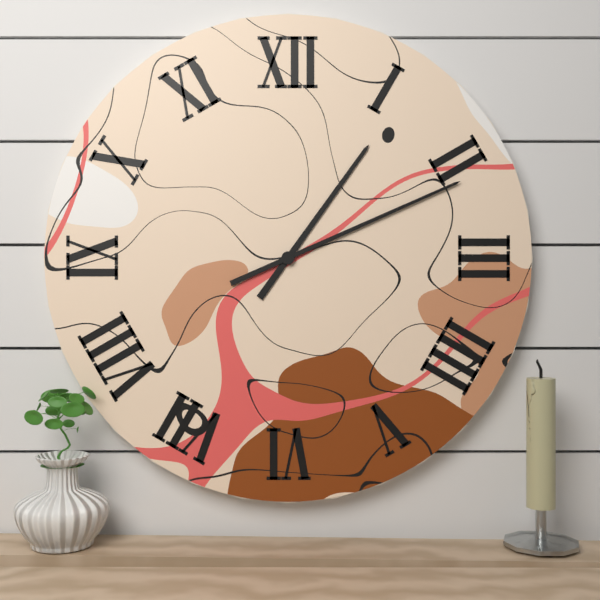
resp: 1h11
